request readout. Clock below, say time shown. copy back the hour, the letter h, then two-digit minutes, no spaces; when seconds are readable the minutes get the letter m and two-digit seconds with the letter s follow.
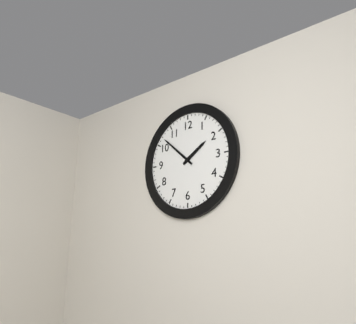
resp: 1h52
